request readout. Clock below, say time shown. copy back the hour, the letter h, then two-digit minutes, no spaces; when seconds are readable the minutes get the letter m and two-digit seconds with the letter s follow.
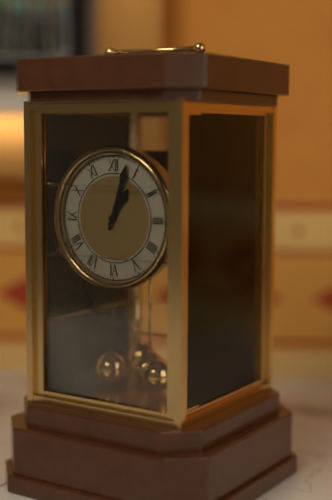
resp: 1h03
